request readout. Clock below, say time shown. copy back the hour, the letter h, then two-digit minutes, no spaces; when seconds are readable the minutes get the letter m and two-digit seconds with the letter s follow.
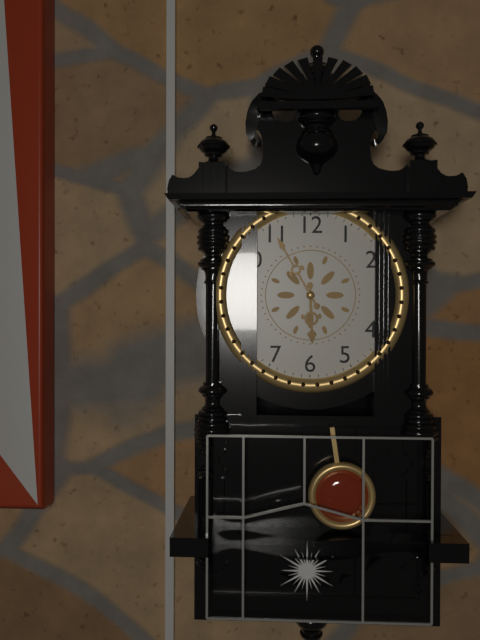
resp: 5h55
